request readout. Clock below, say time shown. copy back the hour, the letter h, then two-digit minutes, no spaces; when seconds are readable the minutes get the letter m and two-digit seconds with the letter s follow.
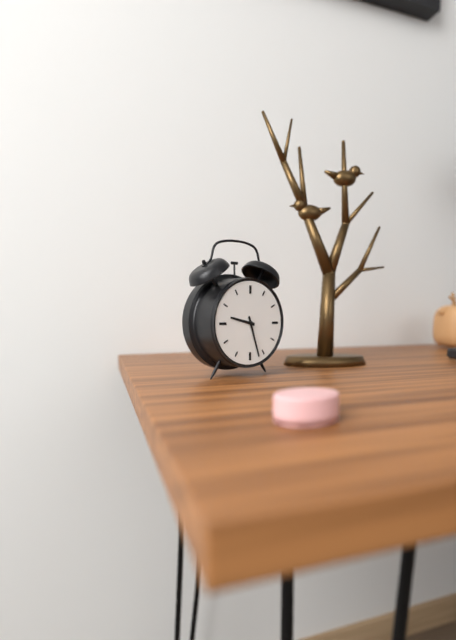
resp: 9h27
